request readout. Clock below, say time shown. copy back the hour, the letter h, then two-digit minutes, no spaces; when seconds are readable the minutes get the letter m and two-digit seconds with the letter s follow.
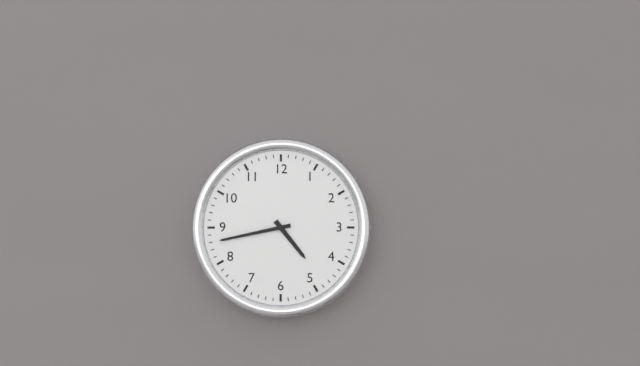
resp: 4h43
